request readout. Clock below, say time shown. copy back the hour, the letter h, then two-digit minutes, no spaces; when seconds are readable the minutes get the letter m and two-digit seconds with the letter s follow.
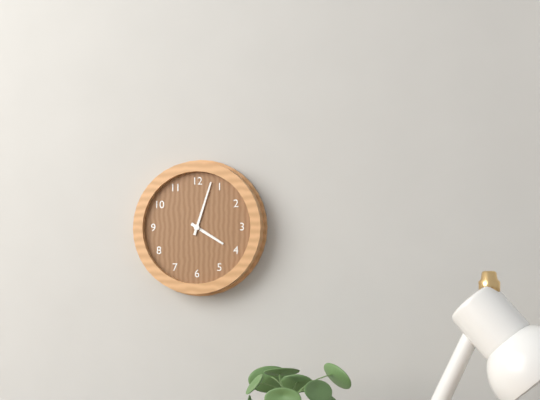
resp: 4h03
